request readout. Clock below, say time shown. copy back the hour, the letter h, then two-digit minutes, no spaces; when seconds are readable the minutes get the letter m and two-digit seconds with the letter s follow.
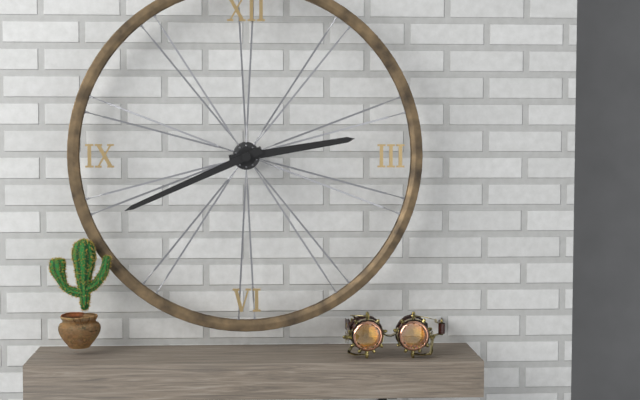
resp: 2h41
